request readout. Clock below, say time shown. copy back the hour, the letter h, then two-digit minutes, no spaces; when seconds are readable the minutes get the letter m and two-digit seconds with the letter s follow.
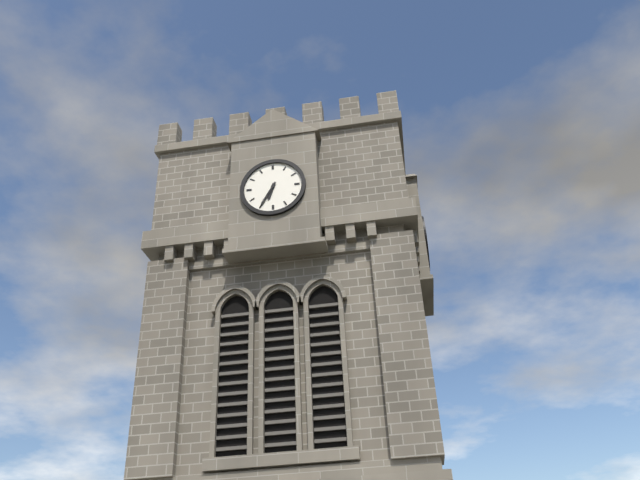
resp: 6h35
